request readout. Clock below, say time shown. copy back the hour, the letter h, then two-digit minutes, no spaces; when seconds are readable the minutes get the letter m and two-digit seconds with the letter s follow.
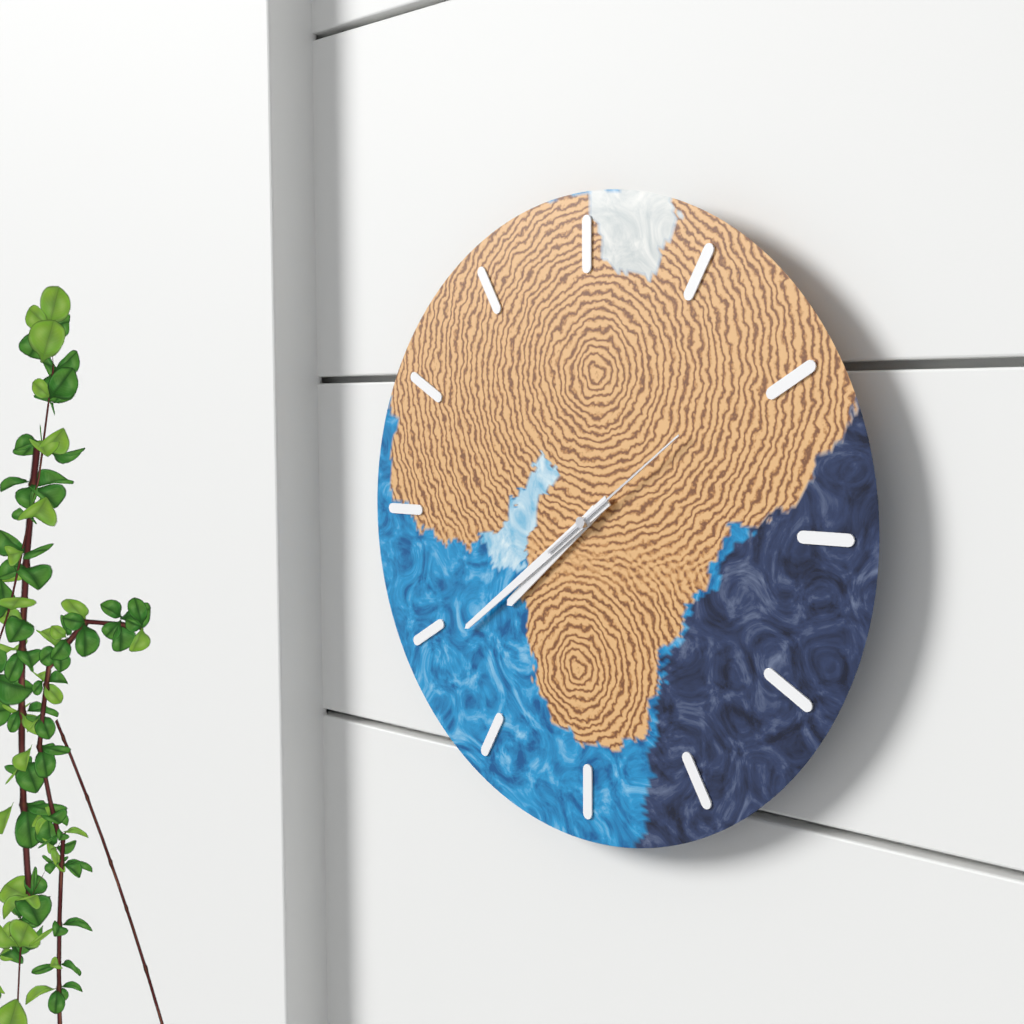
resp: 7h39m09s
